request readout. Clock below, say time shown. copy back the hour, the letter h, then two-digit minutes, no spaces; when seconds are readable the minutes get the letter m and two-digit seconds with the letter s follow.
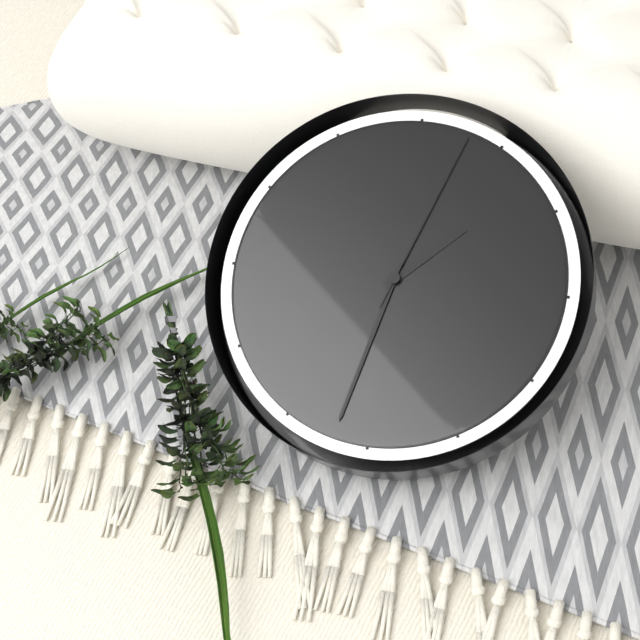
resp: 1h32m03s
